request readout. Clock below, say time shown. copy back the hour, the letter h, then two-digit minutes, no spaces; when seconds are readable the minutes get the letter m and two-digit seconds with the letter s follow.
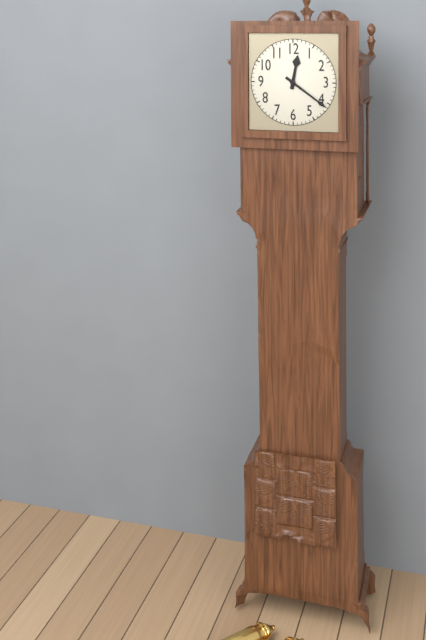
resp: 12h21
